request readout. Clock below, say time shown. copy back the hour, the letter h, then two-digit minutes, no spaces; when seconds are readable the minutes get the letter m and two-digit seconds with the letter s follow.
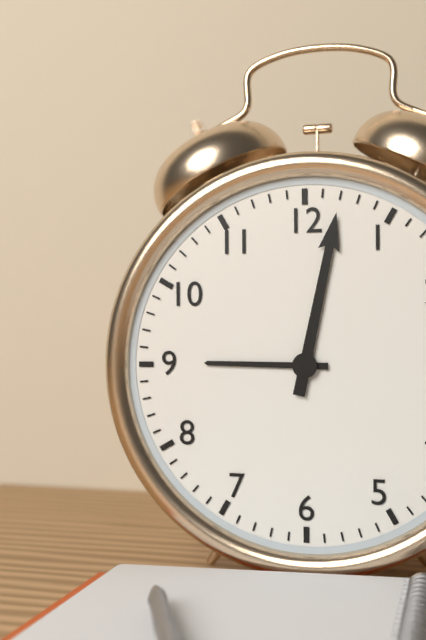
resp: 9h02
